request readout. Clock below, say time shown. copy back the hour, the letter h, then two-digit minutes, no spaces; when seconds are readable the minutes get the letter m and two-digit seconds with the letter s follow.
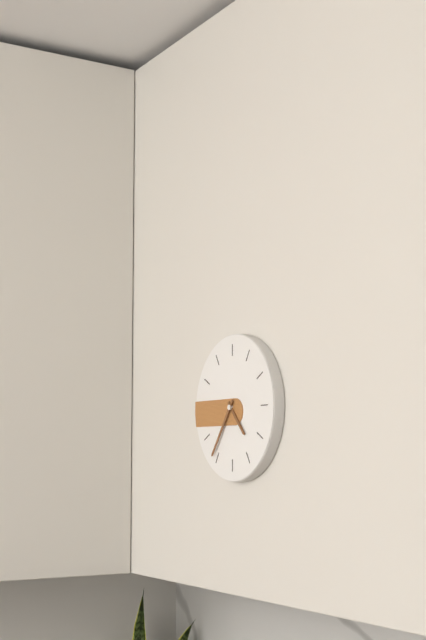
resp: 4h36
